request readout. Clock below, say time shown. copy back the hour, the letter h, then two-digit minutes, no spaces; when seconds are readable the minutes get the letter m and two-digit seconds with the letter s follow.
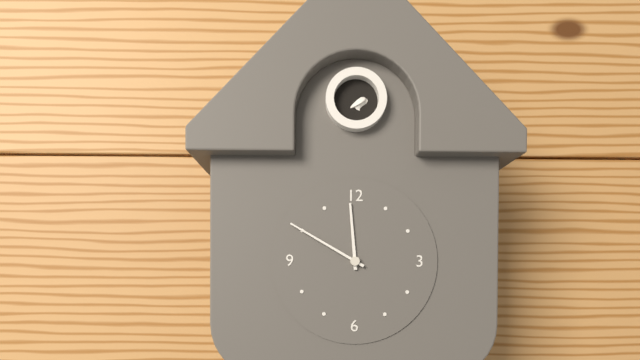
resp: 11h50
